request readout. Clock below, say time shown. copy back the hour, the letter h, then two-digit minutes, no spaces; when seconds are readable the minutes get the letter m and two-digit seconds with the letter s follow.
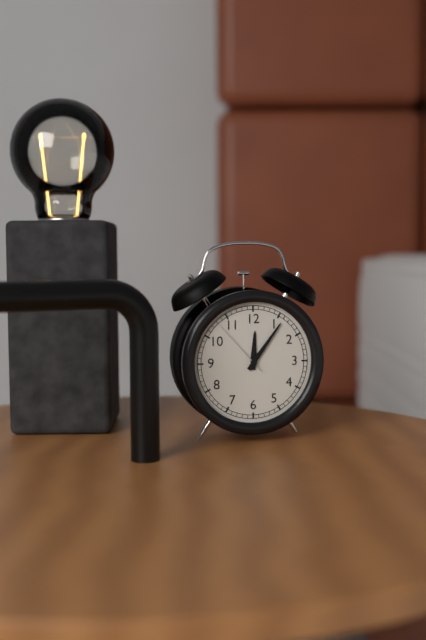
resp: 12h06m53s
